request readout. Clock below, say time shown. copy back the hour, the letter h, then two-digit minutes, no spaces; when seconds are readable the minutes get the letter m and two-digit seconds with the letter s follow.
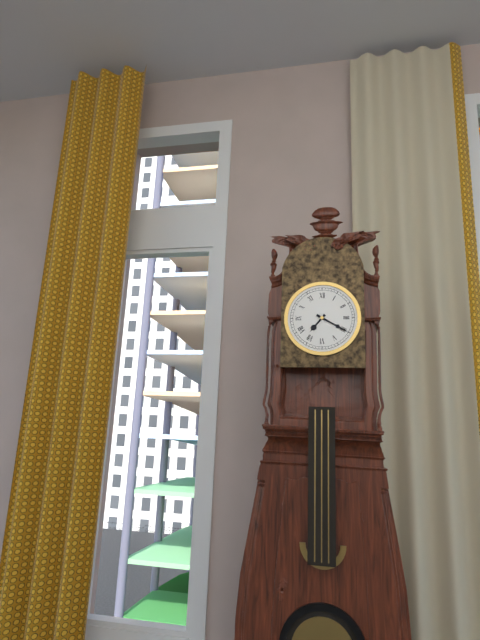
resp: 7h20
